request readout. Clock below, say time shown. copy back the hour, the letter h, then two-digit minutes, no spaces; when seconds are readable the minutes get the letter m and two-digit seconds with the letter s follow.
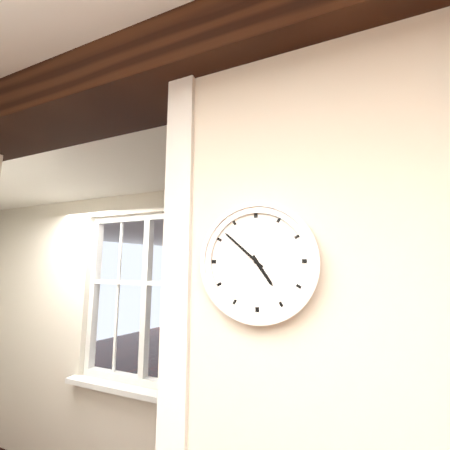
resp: 4h52
